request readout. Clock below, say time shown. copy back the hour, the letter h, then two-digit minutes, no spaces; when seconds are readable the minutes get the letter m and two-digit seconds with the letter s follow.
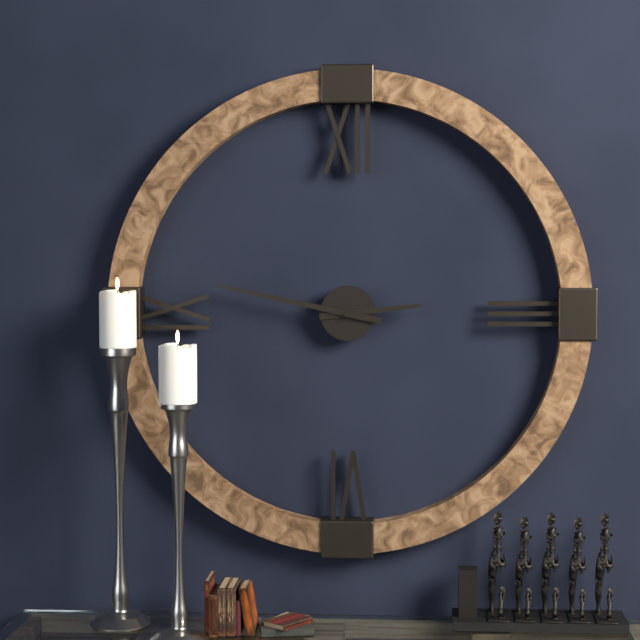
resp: 2h47
